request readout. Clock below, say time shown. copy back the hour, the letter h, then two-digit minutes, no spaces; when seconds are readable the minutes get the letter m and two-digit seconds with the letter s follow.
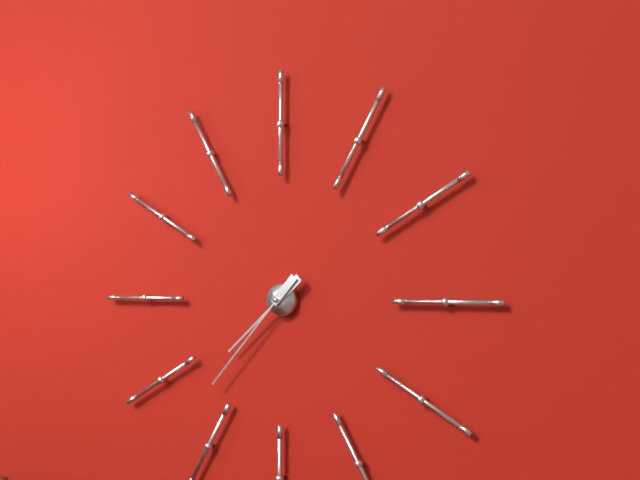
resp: 7h37
